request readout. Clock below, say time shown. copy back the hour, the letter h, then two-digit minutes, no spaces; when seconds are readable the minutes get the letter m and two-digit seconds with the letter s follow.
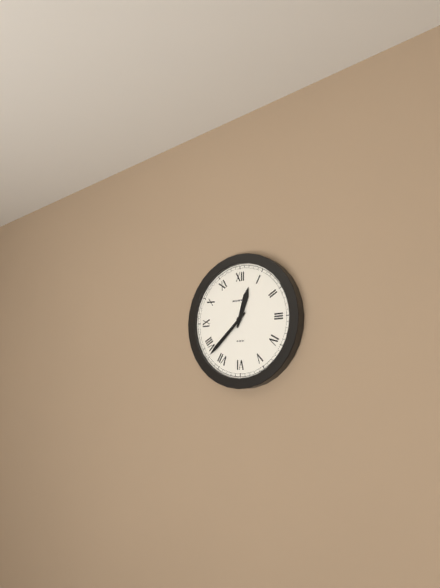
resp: 12h38
